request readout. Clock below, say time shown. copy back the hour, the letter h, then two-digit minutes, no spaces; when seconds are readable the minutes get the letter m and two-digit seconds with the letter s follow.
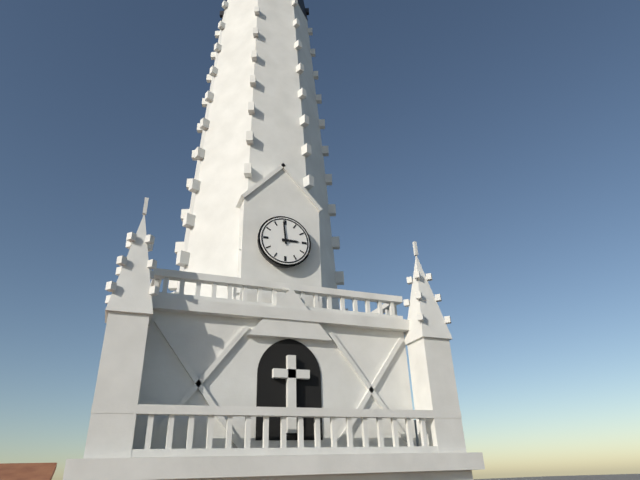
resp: 2h59
